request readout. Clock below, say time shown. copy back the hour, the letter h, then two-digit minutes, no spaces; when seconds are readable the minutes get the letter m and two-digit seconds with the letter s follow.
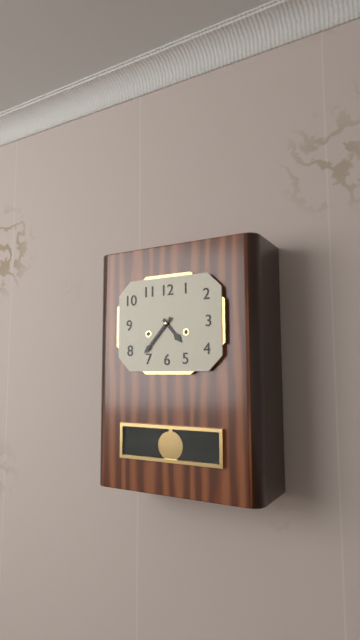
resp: 4h37
